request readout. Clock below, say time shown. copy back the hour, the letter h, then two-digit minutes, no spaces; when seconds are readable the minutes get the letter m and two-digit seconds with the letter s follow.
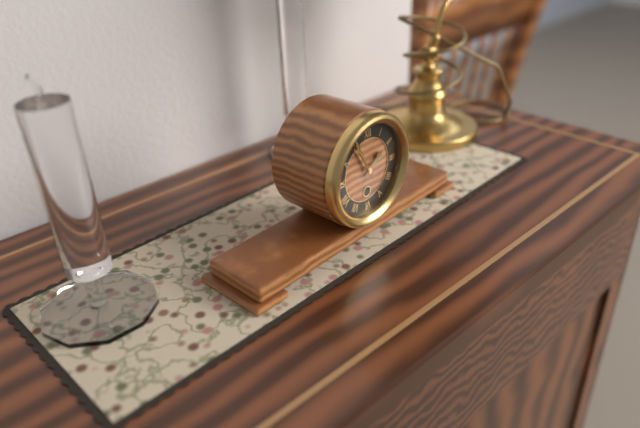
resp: 1h55
